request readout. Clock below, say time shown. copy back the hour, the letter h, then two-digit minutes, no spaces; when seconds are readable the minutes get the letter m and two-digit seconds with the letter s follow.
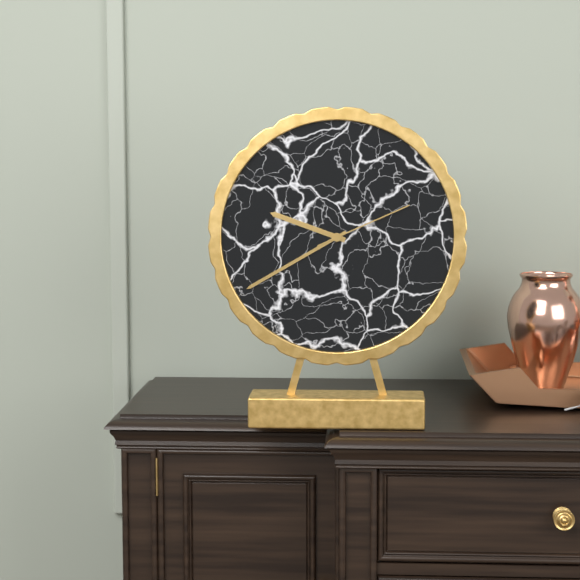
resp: 9h40m11s
